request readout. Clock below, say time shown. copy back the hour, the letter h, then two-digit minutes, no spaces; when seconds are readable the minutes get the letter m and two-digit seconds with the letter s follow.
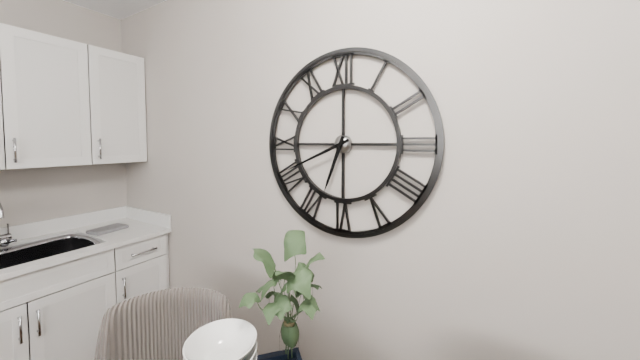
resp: 6h41
